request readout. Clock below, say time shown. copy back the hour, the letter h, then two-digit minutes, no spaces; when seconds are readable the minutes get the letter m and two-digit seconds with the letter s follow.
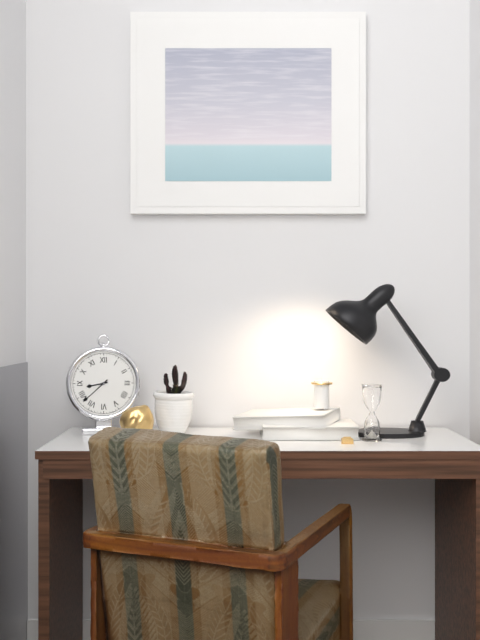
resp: 8h38
